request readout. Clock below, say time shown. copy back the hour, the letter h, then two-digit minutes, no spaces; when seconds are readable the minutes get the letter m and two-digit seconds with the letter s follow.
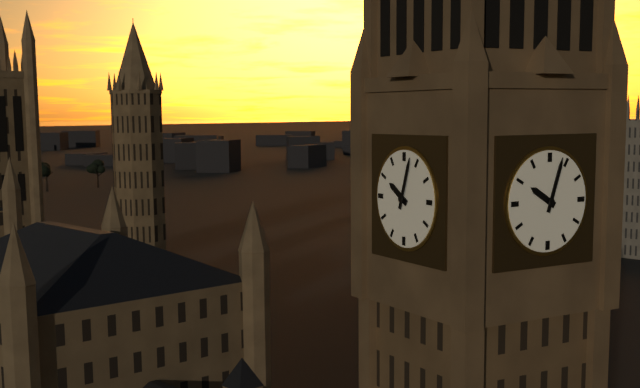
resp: 10h03
